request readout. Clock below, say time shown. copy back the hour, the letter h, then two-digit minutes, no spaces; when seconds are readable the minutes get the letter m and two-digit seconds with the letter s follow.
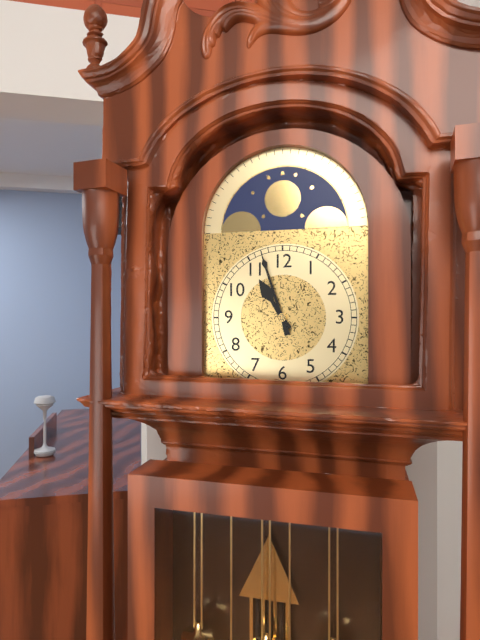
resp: 10h57
